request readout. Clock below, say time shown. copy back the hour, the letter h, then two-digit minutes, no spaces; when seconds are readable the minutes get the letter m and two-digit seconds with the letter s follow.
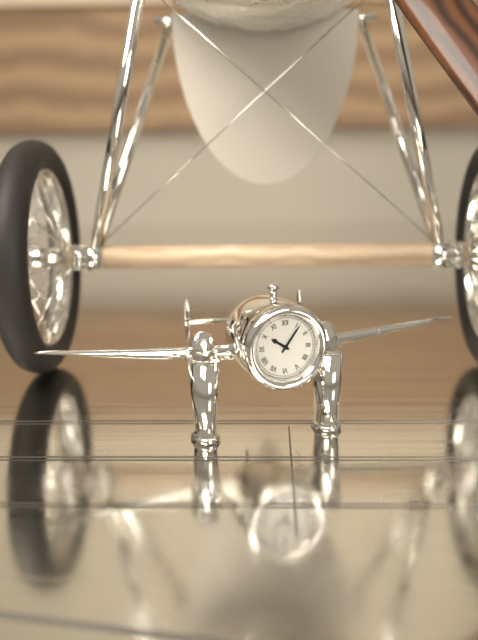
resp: 10h06
